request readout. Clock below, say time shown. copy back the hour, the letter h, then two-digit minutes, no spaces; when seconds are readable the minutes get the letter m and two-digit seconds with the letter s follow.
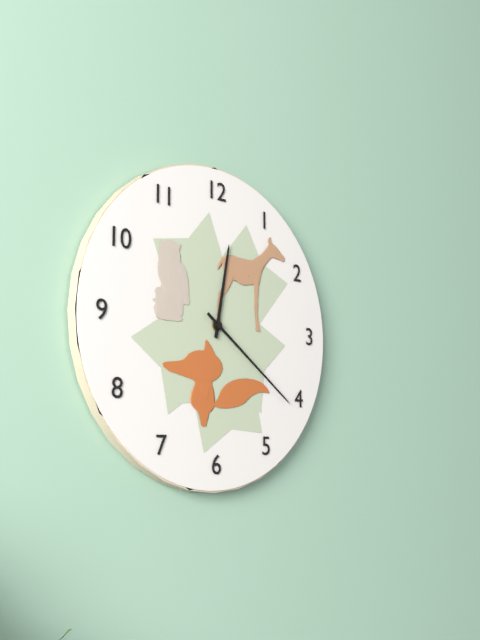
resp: 12h21
